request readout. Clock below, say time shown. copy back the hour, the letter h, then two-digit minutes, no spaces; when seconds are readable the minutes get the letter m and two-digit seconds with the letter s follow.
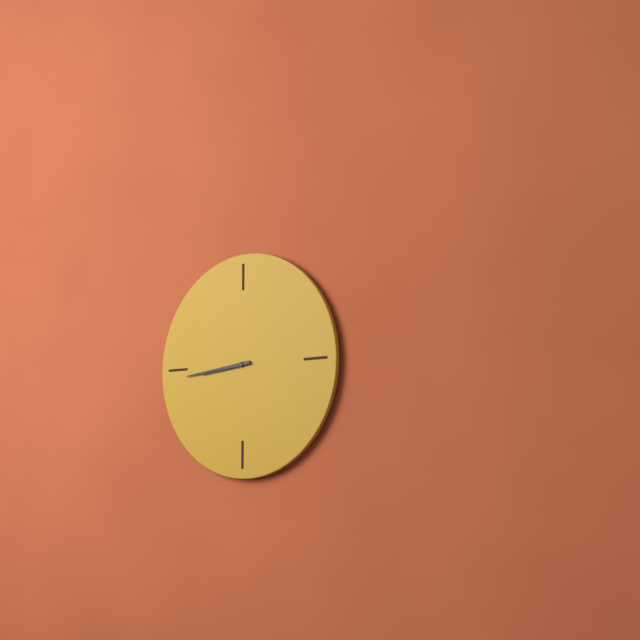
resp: 8h44
